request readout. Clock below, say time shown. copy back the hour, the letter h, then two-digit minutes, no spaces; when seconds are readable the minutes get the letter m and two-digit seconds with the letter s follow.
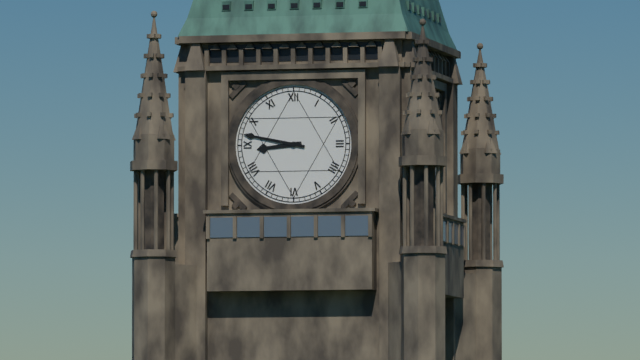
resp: 8h47
